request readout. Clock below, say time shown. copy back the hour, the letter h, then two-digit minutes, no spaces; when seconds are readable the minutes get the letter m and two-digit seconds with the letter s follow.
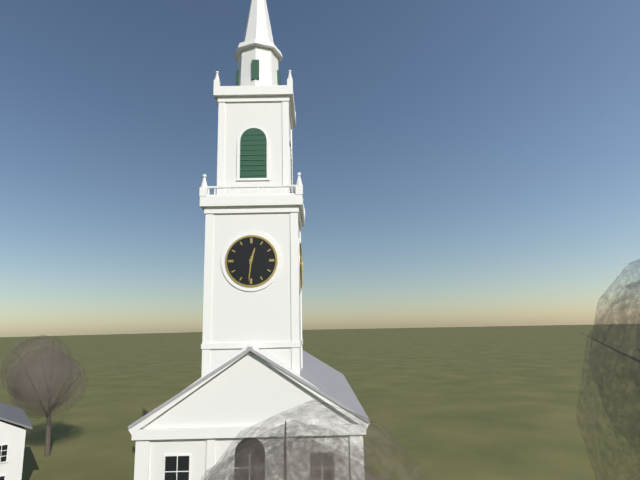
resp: 12h31
